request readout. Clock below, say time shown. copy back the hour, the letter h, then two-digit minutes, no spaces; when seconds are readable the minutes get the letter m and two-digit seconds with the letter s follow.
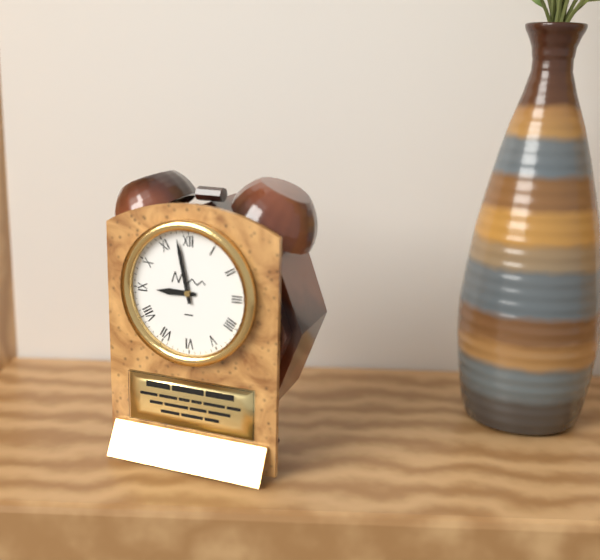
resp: 8h58
